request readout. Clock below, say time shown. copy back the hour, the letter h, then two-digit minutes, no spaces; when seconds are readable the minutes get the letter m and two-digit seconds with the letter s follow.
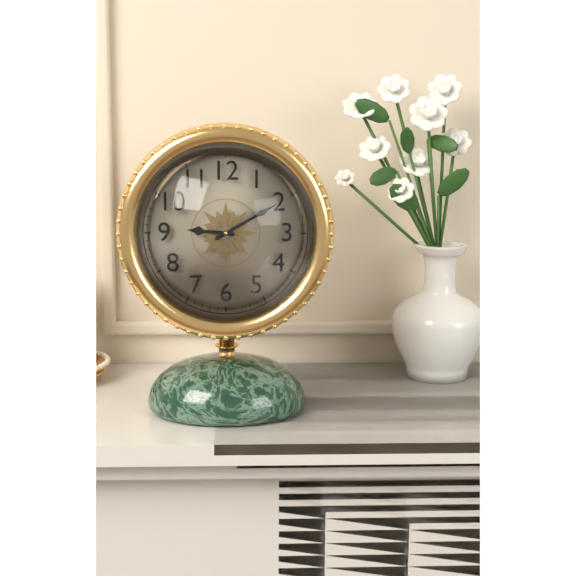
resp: 9h10
